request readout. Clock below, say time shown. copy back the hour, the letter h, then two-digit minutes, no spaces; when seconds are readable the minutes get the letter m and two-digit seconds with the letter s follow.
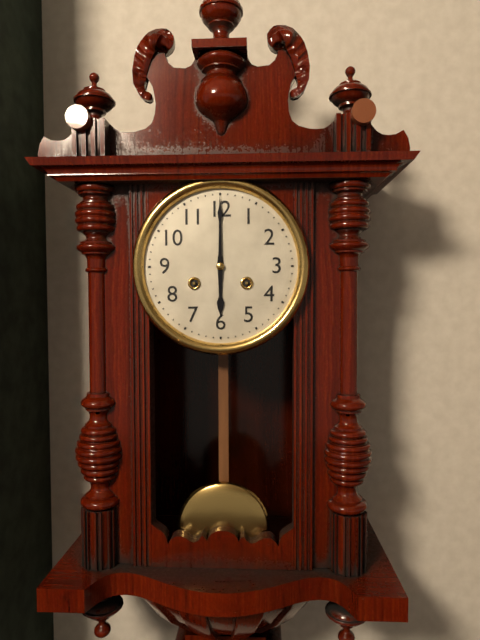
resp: 6h00
